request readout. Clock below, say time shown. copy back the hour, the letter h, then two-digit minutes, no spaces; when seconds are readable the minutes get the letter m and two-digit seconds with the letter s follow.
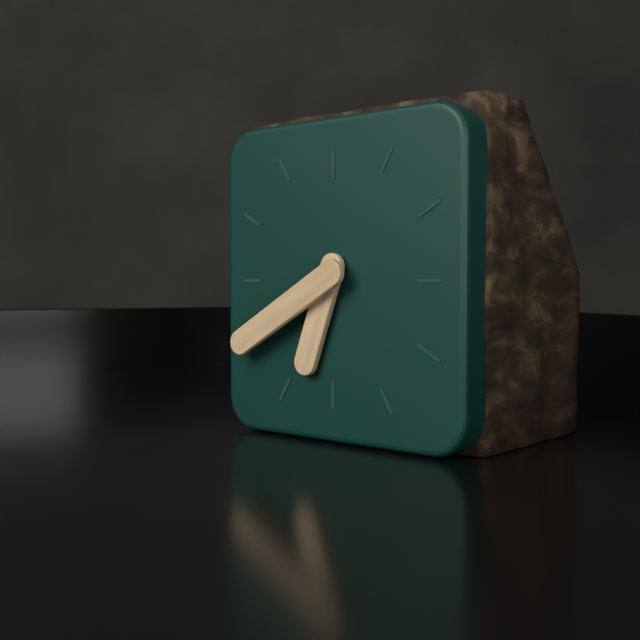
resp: 6h40
